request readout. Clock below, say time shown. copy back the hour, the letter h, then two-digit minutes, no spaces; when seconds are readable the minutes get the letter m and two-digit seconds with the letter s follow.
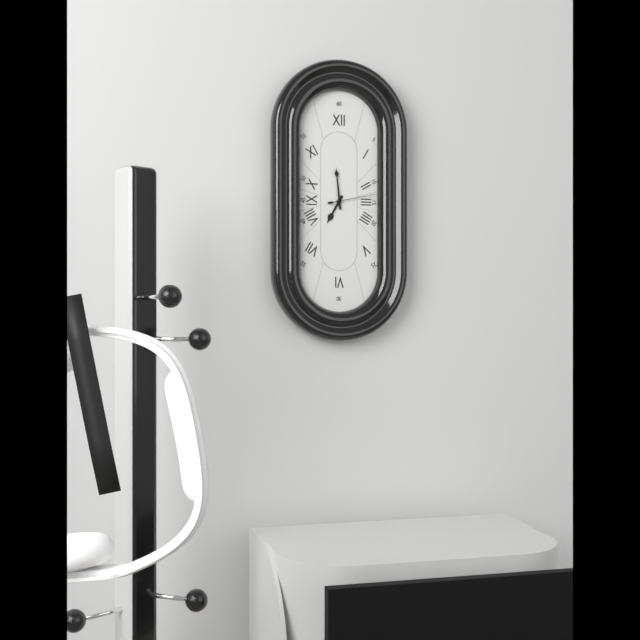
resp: 6h59m13s
